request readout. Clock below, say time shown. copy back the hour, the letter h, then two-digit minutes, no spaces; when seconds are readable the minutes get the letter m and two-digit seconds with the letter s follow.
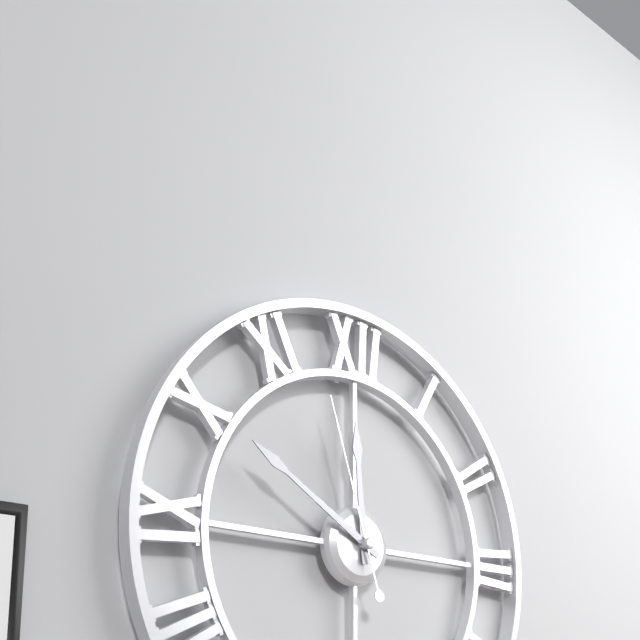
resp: 11h50m57s
